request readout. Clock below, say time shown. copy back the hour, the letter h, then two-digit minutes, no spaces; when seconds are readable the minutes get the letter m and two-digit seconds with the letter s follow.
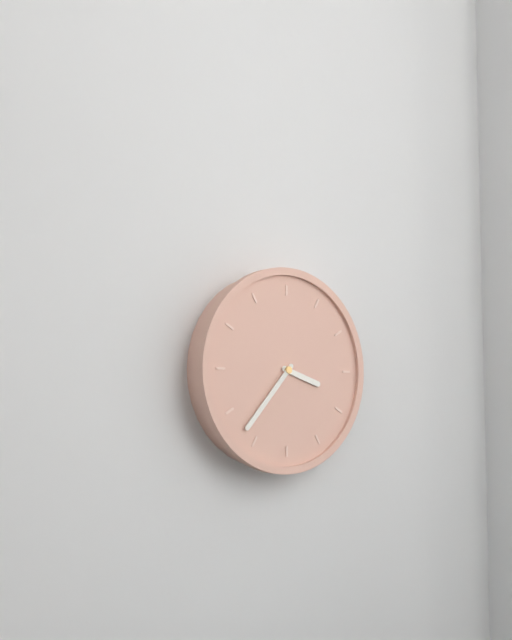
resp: 3h37
